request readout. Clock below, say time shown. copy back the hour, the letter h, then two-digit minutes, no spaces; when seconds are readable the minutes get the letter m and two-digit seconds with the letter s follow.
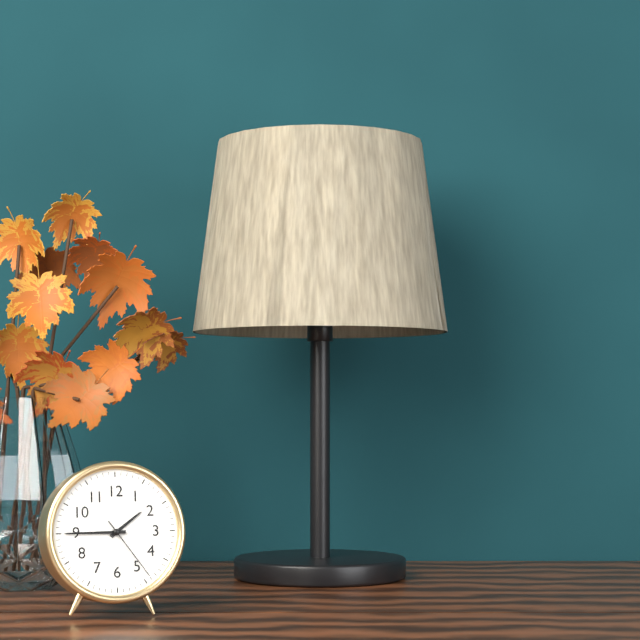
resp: 1h45m24s
